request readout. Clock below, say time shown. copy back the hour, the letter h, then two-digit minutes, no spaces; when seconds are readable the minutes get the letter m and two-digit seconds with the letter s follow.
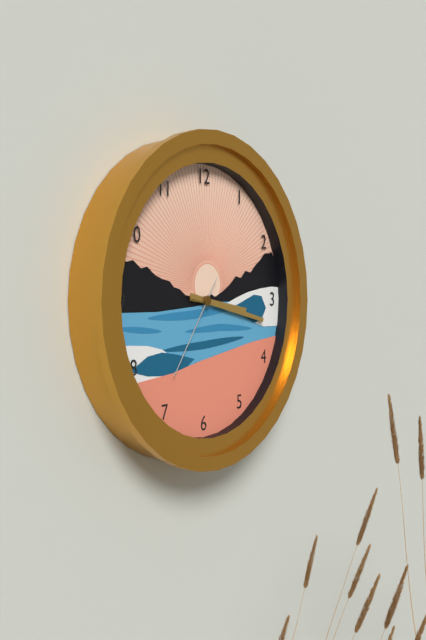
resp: 3h17m36s
